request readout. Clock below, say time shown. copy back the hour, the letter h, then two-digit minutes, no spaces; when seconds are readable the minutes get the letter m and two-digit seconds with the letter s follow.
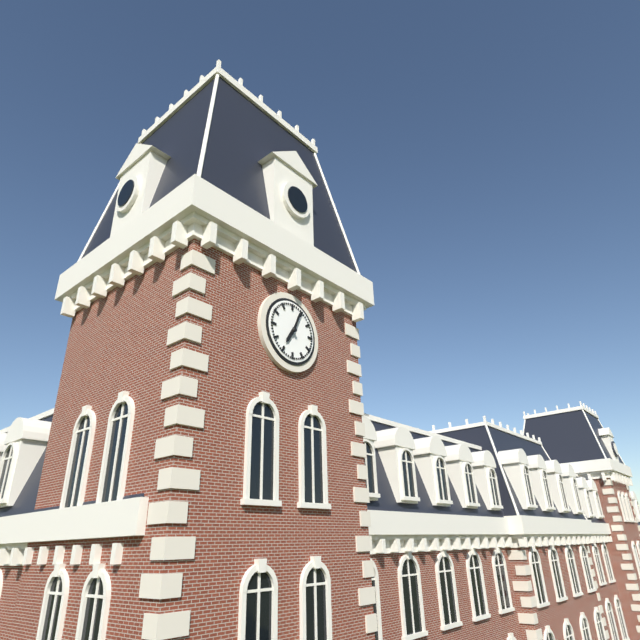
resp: 7h04
